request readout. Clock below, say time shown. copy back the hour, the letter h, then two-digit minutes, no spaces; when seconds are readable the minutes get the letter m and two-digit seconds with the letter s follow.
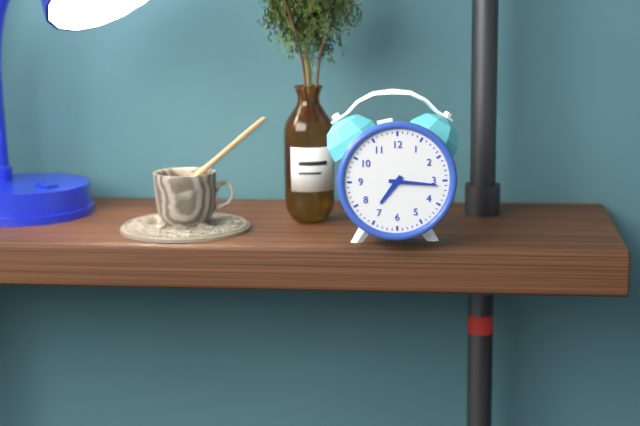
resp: 7h16
